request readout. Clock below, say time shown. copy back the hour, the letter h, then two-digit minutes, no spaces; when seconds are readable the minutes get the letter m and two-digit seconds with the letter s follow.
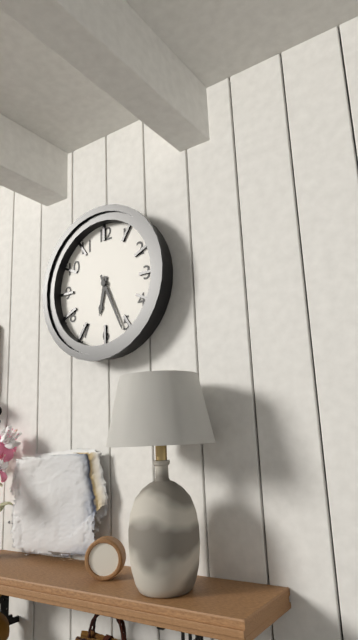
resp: 6h26
